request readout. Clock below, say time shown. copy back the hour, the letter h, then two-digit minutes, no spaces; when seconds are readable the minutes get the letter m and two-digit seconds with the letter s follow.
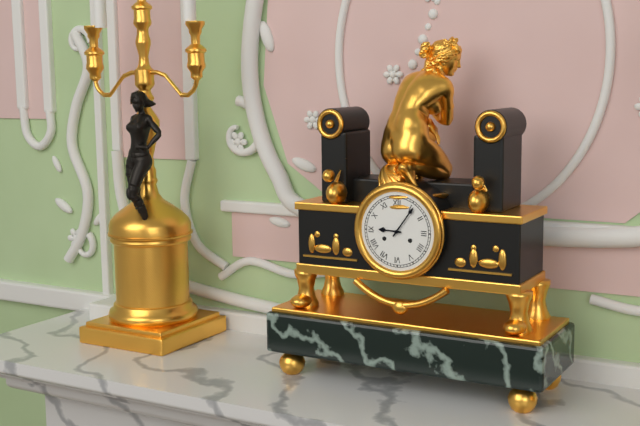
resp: 9h06
